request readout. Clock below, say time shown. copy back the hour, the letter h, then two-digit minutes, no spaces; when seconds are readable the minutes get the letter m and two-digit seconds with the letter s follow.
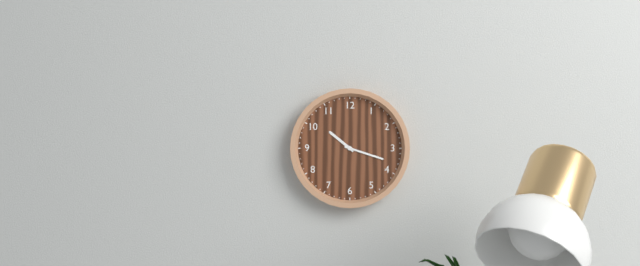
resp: 10h18
